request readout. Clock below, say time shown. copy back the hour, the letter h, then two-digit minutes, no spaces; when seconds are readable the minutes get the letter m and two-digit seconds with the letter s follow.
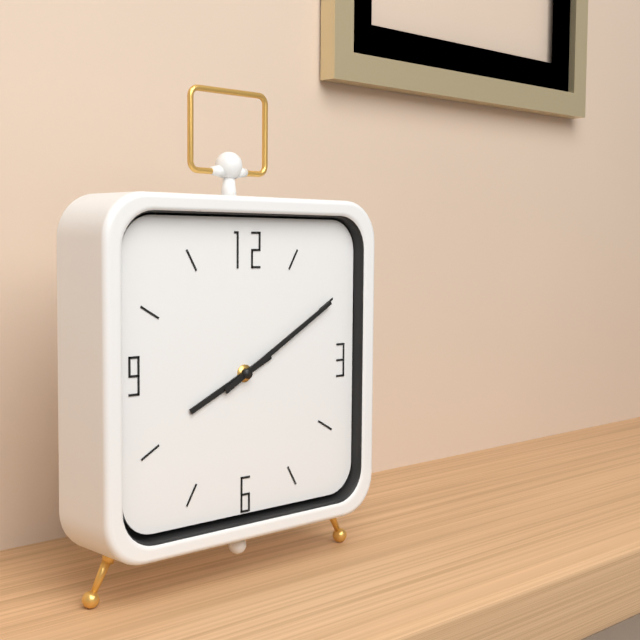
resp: 8h10
